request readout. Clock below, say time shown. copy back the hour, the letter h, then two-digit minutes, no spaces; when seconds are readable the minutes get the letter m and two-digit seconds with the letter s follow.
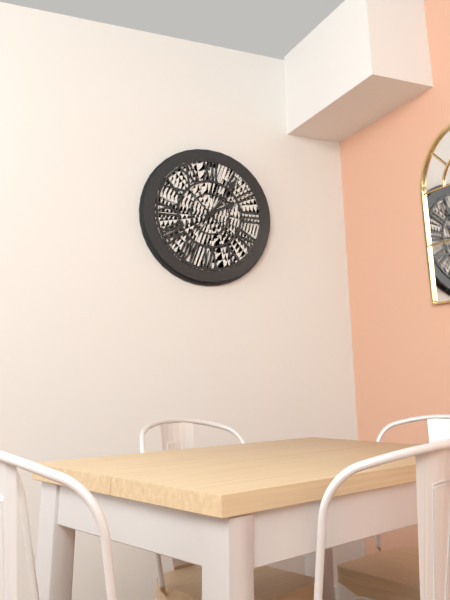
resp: 2h06
